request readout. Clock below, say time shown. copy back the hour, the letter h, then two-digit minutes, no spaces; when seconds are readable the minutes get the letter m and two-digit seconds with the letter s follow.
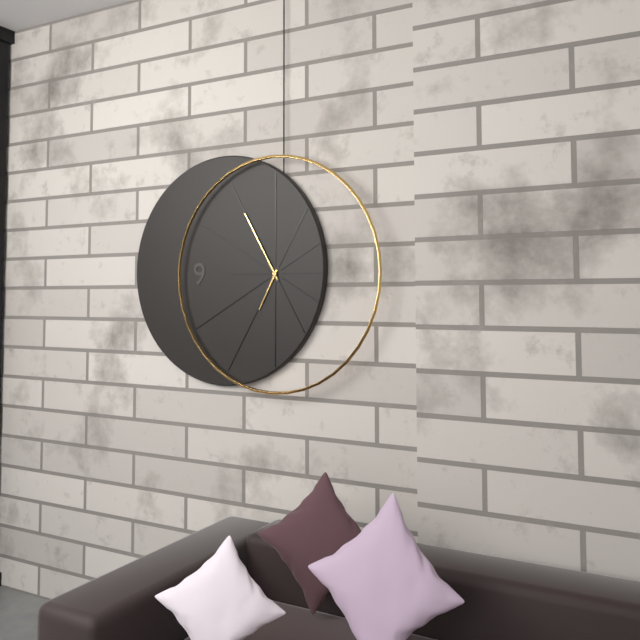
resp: 6h55
